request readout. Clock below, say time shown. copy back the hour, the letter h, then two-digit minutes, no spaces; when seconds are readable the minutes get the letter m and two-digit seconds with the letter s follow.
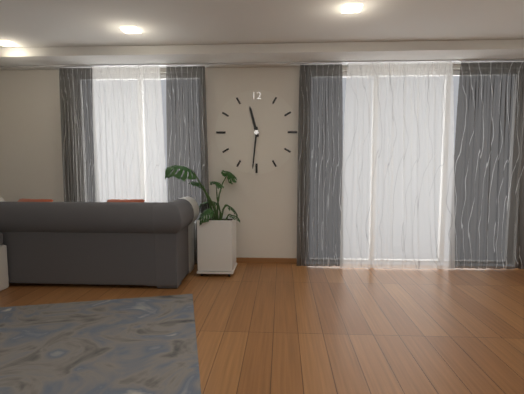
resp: 11h31
